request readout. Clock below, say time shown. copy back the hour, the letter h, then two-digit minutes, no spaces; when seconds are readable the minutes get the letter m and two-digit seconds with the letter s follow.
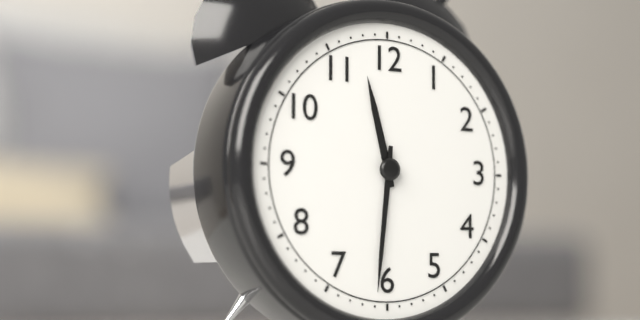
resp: 11h31
